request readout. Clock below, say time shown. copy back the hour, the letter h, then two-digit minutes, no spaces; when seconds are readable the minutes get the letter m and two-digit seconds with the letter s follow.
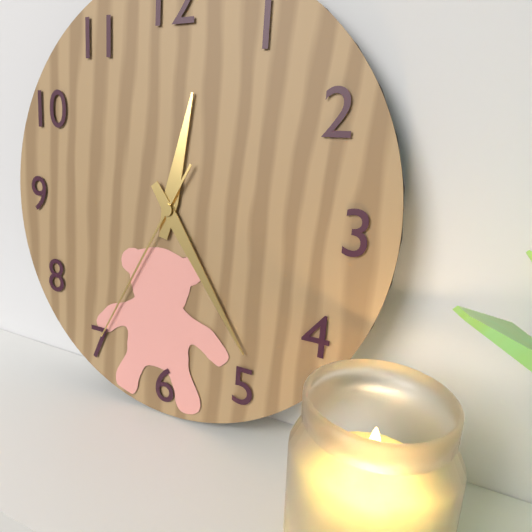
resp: 12h24m35s
